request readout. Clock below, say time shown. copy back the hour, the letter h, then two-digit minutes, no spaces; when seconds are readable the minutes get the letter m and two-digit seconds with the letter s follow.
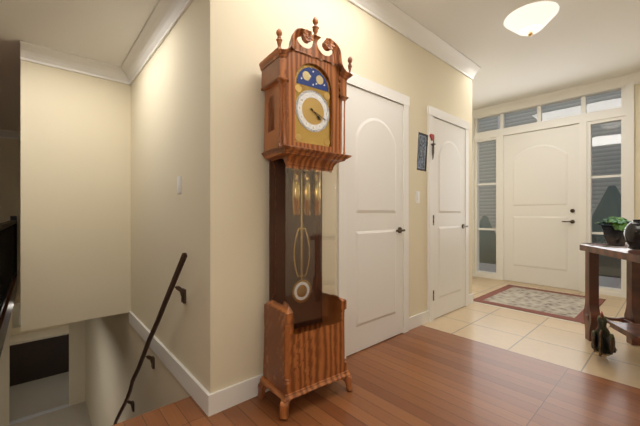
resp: 4h19
